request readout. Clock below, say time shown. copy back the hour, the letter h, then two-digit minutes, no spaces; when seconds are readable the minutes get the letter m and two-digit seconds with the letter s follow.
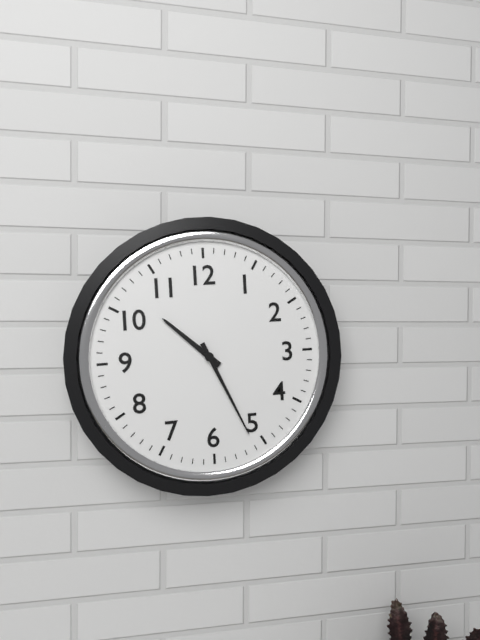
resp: 10h26
